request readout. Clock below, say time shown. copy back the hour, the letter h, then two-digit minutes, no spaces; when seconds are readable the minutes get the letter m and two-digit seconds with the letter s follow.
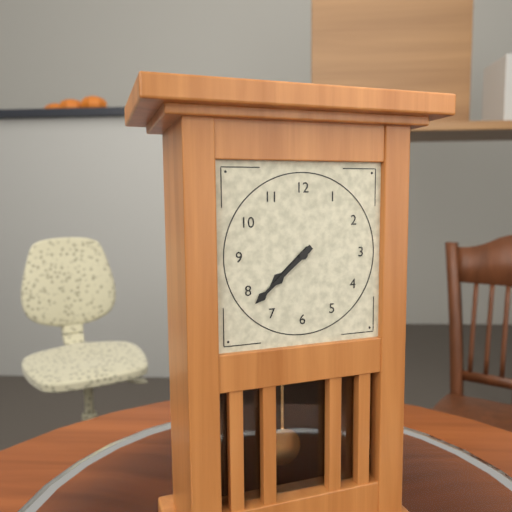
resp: 7h38
